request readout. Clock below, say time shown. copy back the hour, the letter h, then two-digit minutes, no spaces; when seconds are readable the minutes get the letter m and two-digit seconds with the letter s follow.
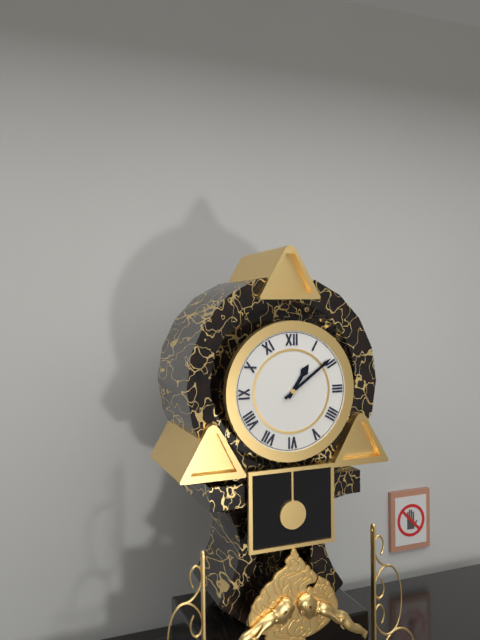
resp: 1h09
